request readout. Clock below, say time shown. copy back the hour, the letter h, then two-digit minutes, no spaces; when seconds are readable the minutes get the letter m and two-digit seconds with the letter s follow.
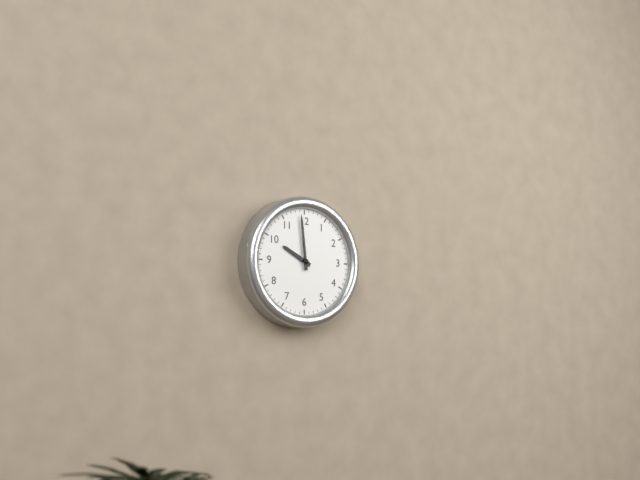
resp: 9h59
